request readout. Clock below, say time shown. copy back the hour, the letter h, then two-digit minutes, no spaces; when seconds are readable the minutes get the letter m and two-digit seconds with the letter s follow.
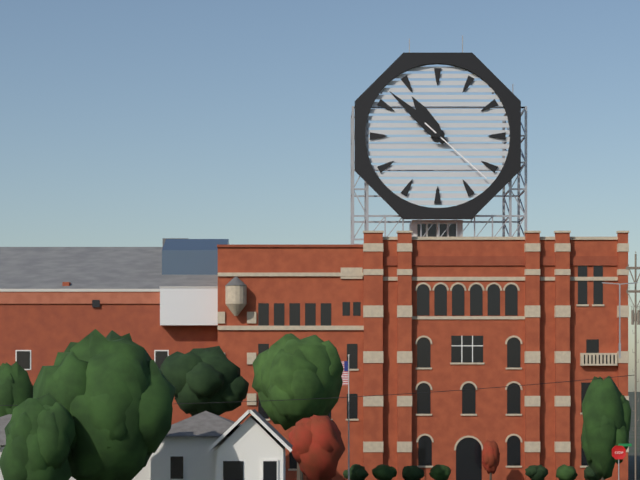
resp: 10h52m22s
